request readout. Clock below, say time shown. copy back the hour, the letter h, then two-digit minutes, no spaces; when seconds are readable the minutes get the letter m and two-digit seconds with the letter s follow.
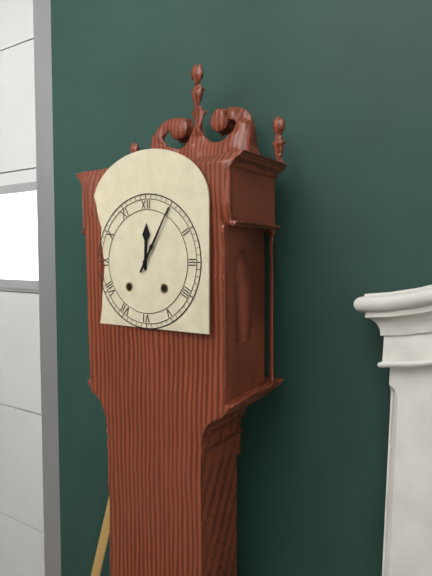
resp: 12h05
